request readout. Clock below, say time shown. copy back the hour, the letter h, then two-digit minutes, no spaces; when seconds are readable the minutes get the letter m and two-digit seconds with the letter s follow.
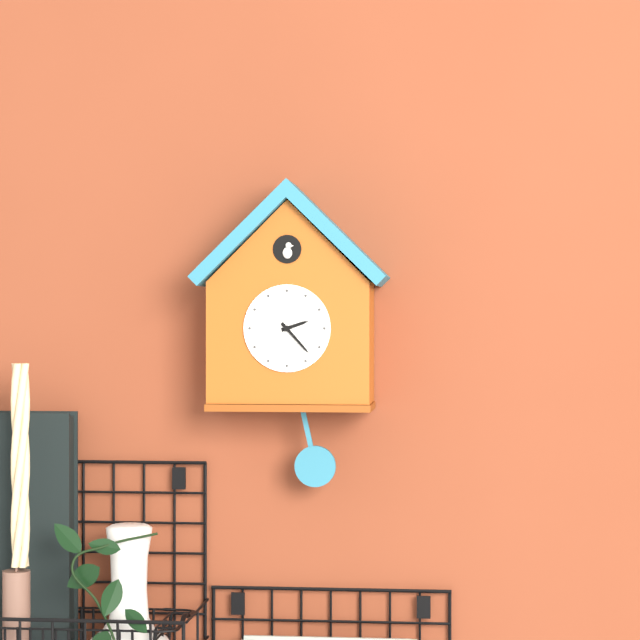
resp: 2h23
